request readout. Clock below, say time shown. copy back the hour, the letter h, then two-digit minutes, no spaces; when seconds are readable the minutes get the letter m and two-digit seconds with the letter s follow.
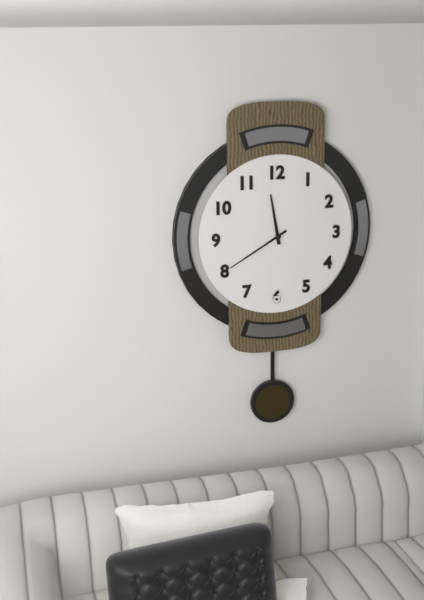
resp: 11h40
